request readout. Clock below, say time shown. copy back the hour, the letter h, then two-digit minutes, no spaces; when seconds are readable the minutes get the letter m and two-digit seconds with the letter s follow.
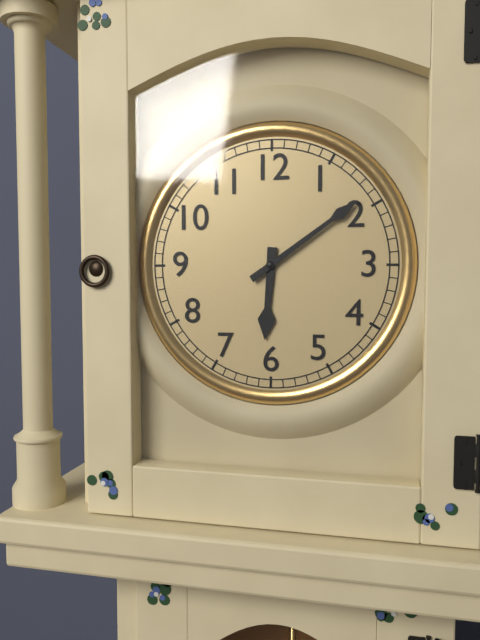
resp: 6h09
